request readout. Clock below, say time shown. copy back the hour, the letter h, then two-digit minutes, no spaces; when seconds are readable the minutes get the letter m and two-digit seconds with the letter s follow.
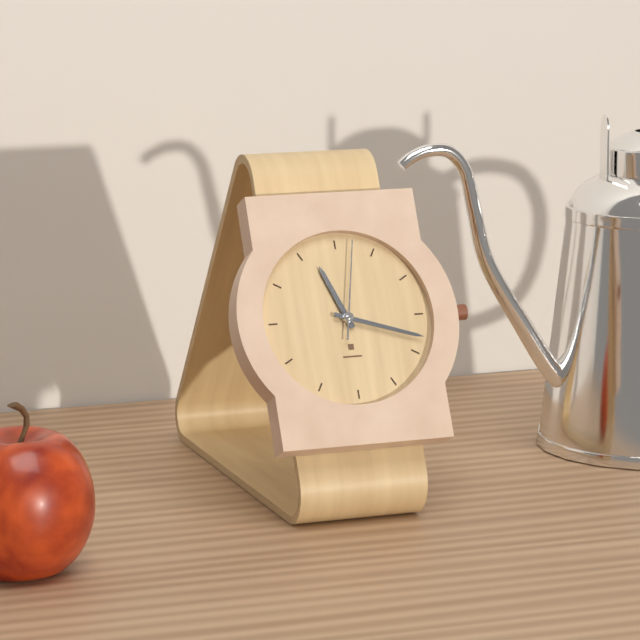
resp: 11h18m02s
